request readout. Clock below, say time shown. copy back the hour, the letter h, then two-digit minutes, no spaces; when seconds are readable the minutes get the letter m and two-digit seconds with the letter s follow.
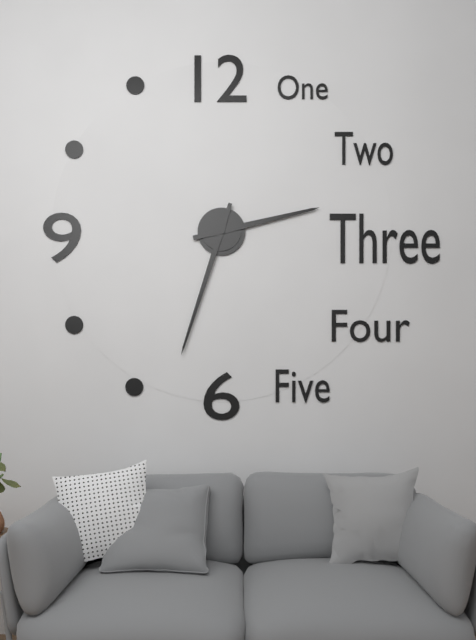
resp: 2h33
